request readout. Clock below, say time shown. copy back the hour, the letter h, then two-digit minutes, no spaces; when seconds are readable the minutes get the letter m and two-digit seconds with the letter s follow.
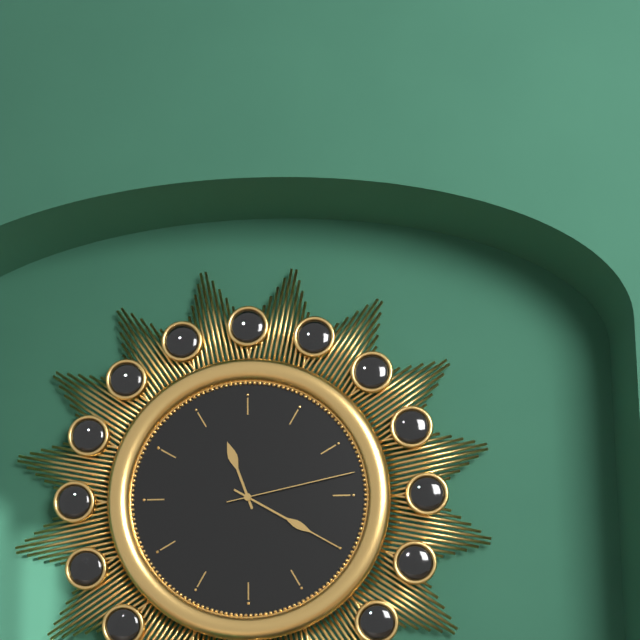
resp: 11h20m13s
